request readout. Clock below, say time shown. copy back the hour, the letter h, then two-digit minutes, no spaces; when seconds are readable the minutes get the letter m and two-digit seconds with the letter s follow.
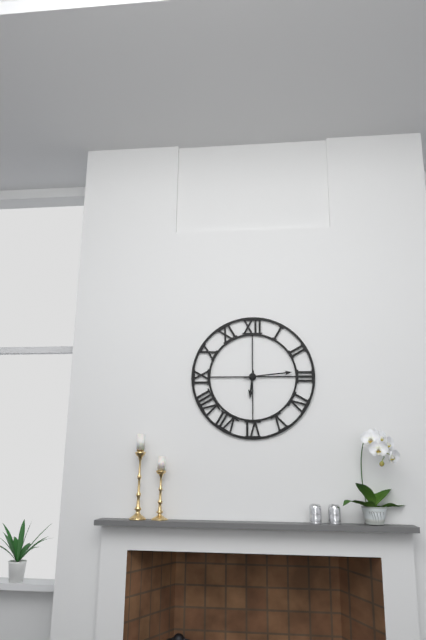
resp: 6h14
